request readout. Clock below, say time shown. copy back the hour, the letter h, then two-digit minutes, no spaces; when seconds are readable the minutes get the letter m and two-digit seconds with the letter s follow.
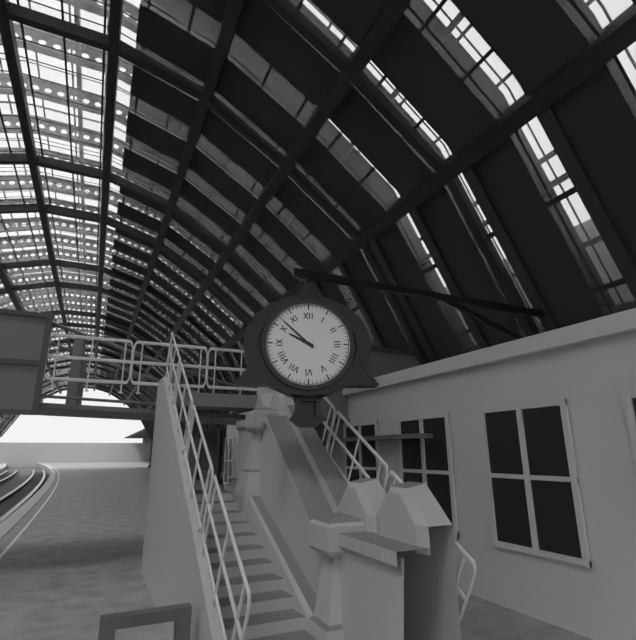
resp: 9h52
